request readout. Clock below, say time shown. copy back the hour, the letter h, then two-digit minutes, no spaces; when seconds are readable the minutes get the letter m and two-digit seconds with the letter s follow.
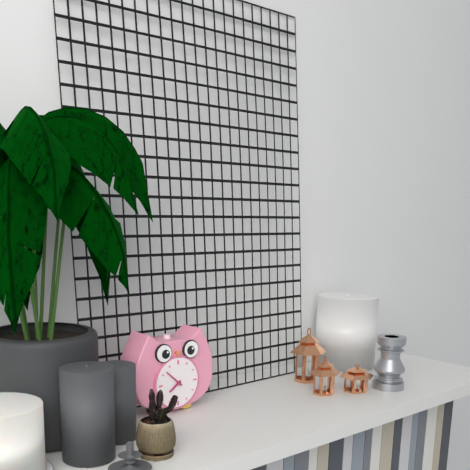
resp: 7h52
